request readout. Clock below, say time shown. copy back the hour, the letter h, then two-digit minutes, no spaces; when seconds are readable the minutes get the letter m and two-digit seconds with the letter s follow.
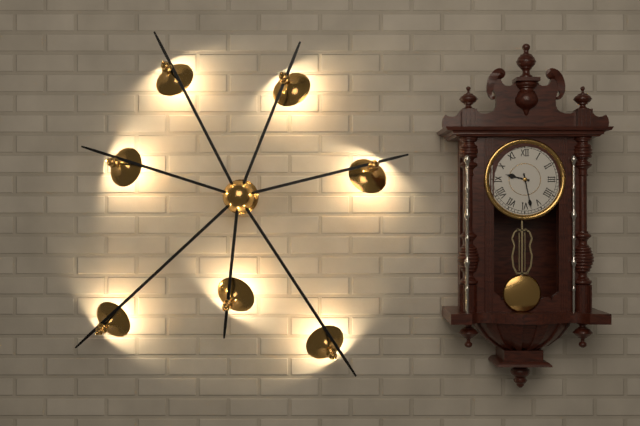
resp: 9h28
